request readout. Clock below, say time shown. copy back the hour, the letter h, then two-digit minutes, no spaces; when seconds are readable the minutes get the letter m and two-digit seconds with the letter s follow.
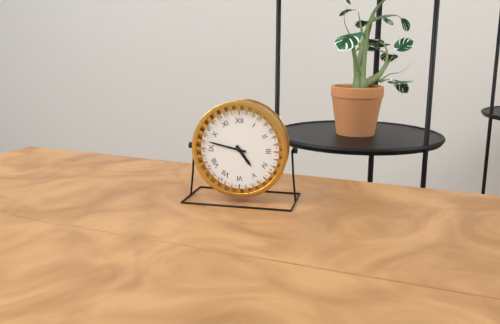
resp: 4h47
